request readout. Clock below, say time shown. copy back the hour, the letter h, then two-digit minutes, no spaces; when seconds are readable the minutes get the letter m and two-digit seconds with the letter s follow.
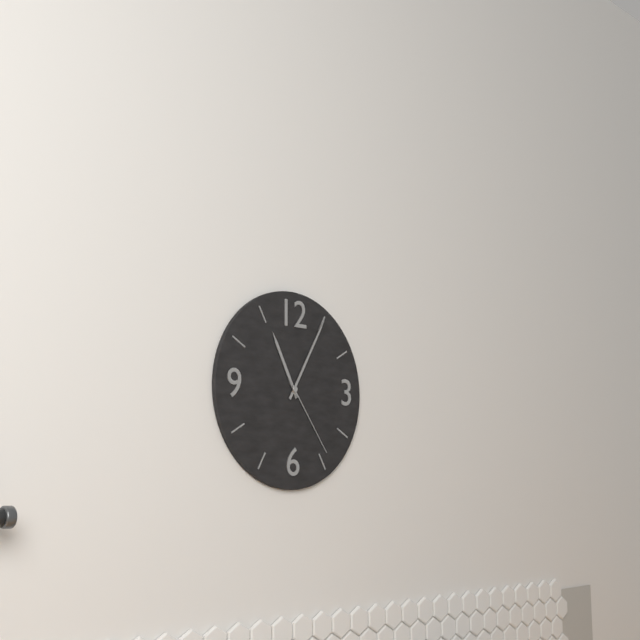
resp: 11h05m24s
